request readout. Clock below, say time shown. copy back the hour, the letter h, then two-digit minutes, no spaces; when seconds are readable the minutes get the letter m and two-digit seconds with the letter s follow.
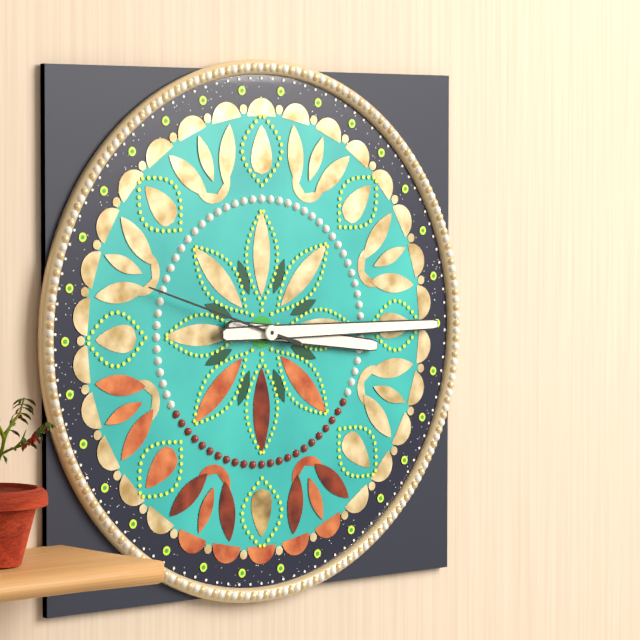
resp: 3h15m48s
